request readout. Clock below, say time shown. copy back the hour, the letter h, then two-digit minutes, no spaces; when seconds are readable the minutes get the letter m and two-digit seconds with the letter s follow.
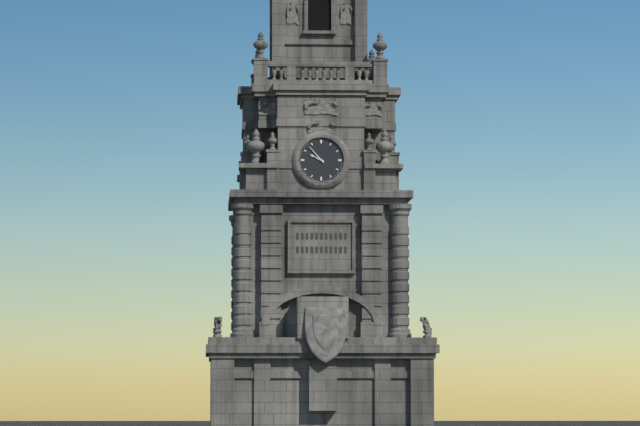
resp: 9h53
